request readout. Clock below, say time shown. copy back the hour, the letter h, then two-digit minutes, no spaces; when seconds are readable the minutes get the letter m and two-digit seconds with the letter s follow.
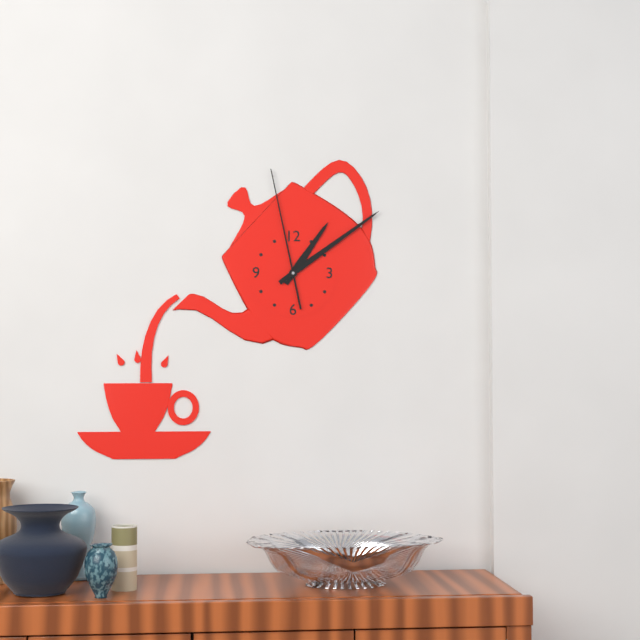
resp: 1h09m58s
